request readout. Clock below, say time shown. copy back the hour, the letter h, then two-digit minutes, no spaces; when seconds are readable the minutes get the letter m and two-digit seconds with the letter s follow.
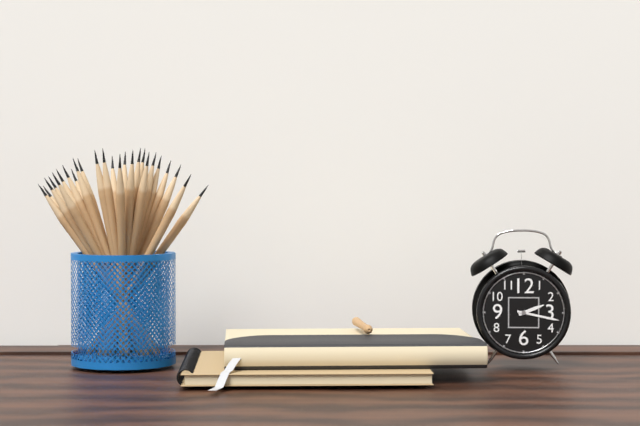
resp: 2h17
